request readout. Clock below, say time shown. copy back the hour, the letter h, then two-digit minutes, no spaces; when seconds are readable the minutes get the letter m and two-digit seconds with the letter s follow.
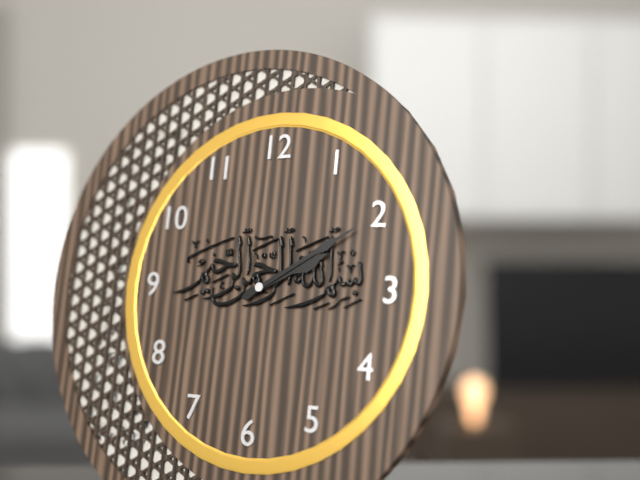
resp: 2h10
